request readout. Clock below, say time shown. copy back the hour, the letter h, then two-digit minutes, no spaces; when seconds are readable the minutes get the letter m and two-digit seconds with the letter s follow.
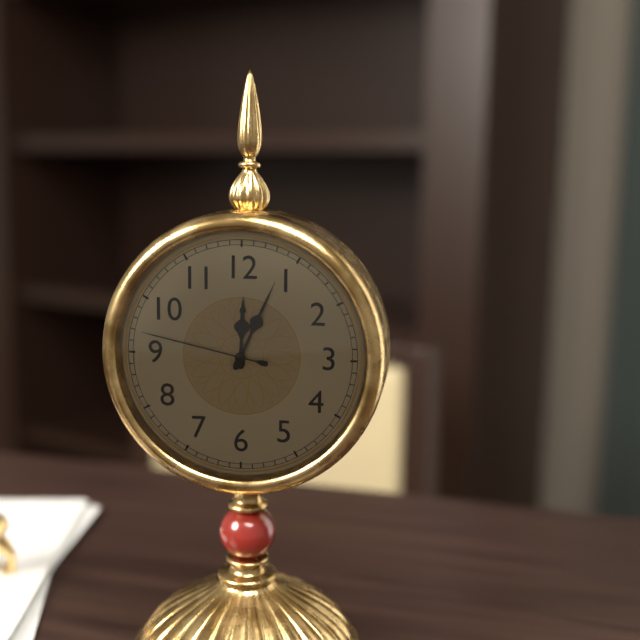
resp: 12h04m47s
